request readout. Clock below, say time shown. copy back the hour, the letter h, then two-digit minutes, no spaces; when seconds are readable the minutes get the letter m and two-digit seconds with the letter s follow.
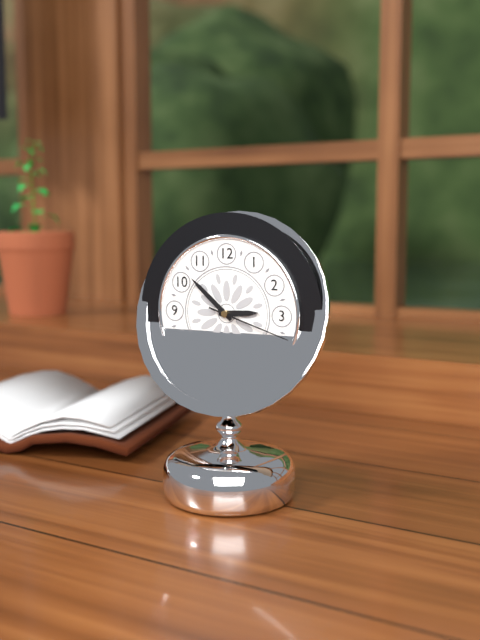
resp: 2h52m18s
